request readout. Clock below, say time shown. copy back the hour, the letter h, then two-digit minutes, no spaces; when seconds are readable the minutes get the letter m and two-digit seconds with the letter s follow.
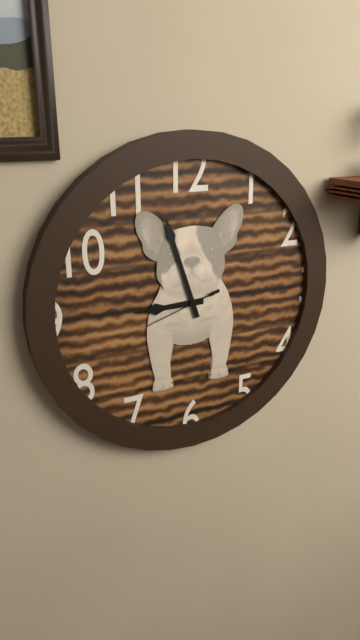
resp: 8h57m42s
